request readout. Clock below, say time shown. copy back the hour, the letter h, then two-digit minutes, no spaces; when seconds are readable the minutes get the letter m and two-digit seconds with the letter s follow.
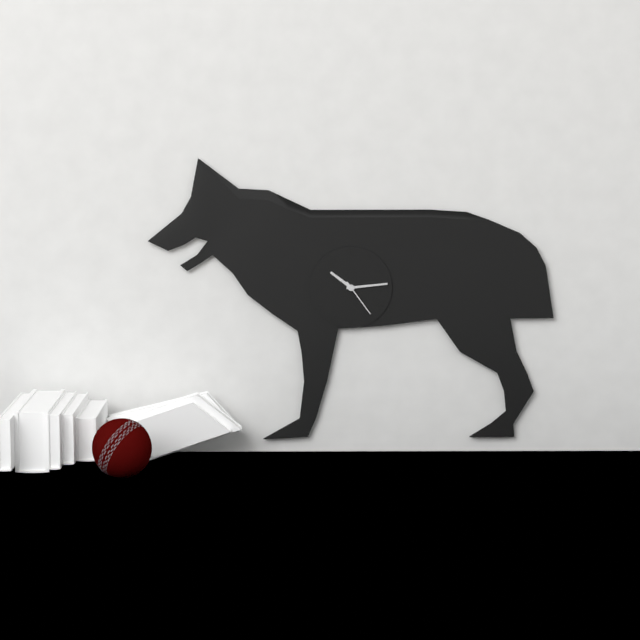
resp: 10h14
